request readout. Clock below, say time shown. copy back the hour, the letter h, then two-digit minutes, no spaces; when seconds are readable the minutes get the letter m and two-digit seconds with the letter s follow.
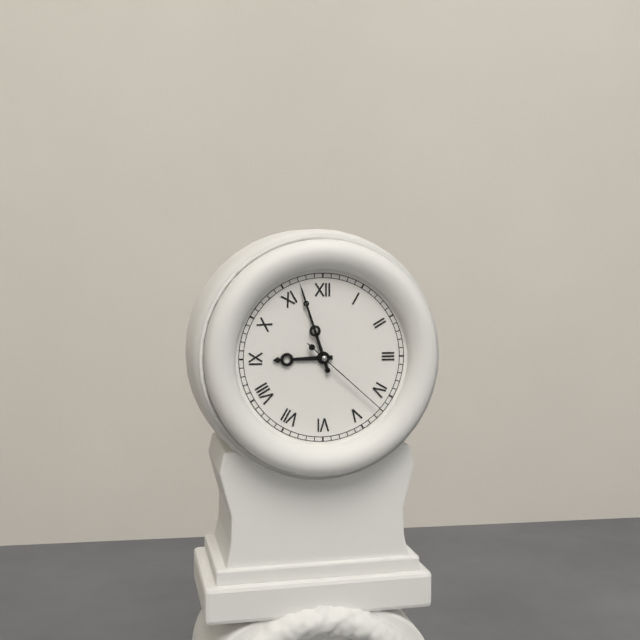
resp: 8h57m22s
